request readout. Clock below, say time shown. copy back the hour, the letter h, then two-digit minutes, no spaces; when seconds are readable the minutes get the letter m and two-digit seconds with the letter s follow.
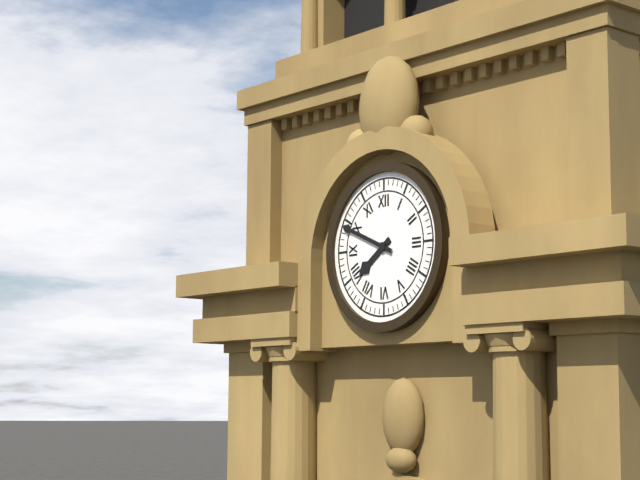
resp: 7h49
